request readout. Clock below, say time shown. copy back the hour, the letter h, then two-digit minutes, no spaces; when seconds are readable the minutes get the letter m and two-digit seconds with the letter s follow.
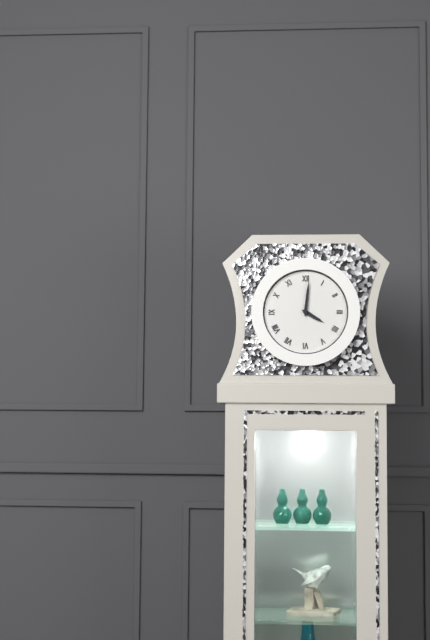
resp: 4h01
